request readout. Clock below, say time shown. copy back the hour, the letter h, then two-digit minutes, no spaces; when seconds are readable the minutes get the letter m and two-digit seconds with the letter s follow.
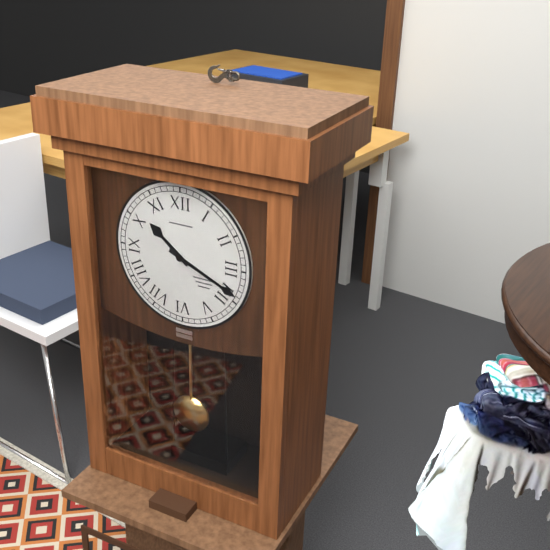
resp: 10h19
